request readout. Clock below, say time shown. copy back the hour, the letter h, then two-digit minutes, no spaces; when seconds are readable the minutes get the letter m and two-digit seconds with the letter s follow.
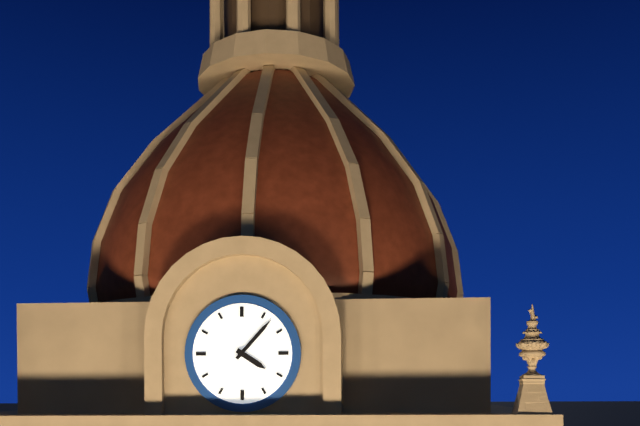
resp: 4h07
